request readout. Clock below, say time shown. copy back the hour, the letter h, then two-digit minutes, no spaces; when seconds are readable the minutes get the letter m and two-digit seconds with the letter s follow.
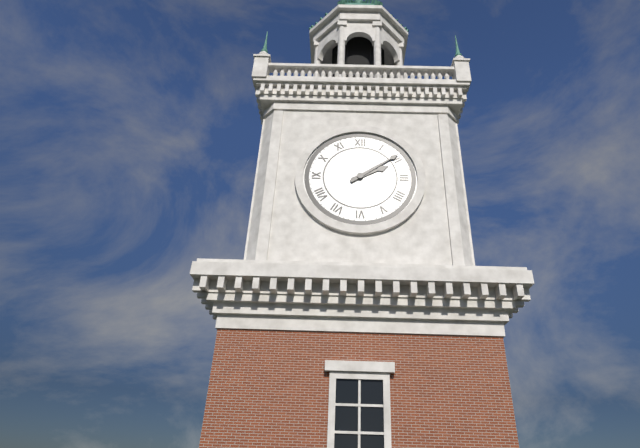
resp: 2h09
